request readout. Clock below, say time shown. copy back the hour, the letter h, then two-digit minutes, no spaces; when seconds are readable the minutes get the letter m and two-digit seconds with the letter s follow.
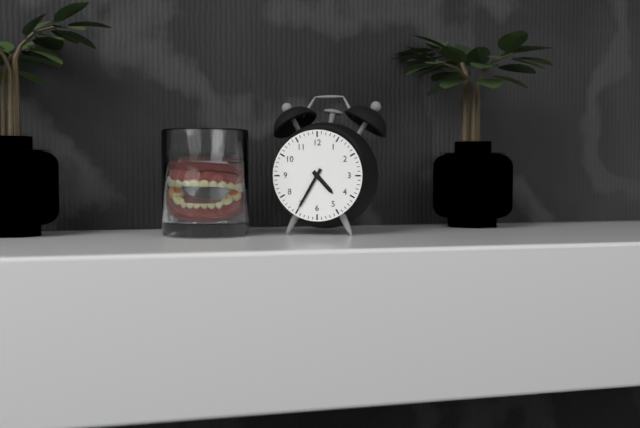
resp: 4h35
